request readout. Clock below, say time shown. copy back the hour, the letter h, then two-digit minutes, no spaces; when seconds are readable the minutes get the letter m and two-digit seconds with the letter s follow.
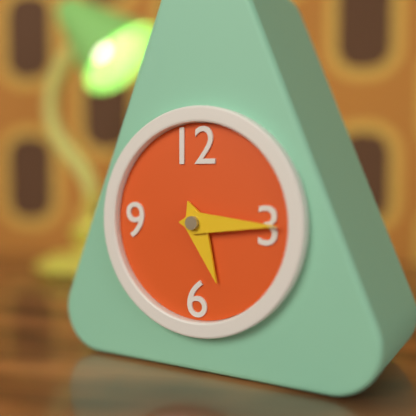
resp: 5h15
